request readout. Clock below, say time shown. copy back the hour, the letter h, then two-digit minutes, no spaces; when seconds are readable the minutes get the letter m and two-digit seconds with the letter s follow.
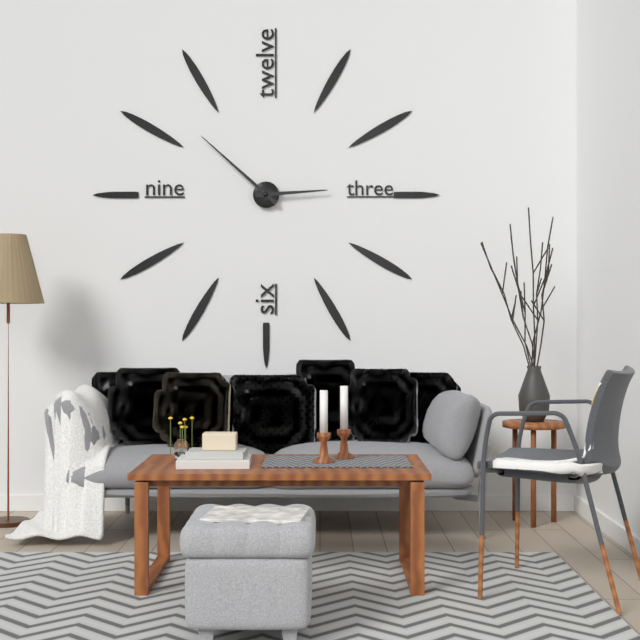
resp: 2h52
